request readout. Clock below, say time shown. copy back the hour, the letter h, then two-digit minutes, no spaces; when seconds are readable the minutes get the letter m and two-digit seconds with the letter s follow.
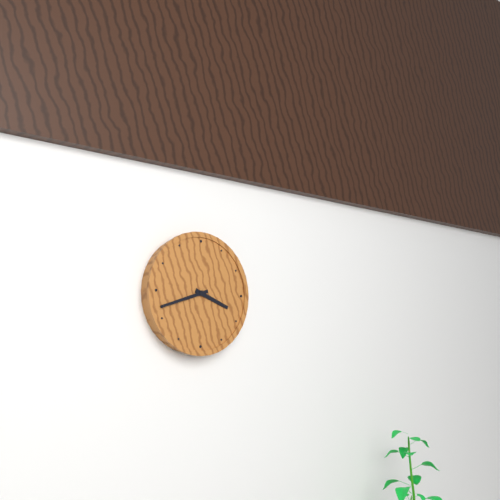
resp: 3h42
